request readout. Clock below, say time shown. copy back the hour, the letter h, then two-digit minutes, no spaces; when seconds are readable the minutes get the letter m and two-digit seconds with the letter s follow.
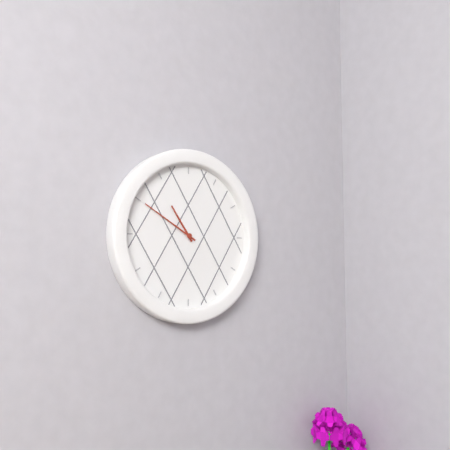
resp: 10h50
